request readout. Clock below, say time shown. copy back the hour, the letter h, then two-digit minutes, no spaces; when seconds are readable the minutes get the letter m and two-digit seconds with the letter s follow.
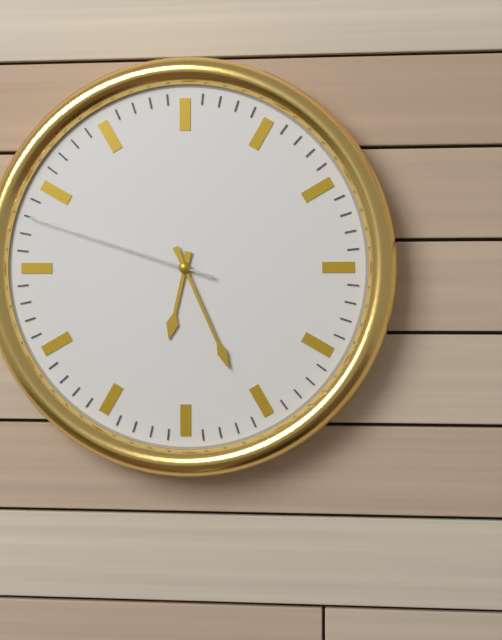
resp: 6h26m48s
